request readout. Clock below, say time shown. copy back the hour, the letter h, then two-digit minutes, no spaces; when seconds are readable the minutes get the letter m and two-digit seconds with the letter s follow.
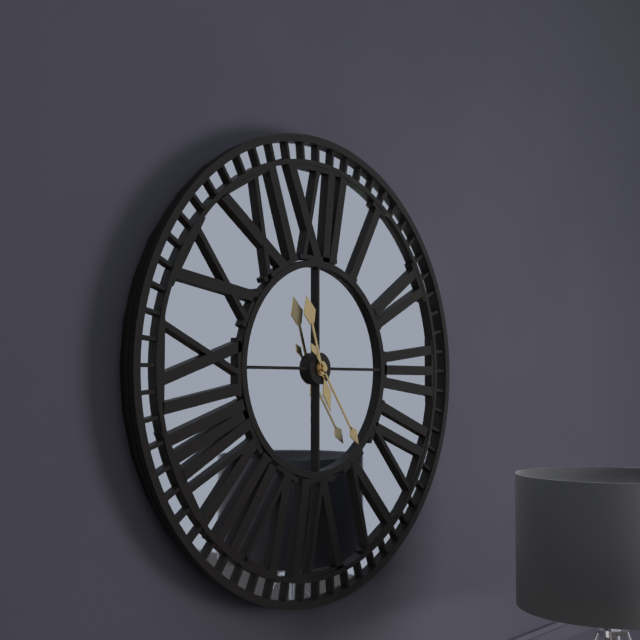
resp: 11h24
